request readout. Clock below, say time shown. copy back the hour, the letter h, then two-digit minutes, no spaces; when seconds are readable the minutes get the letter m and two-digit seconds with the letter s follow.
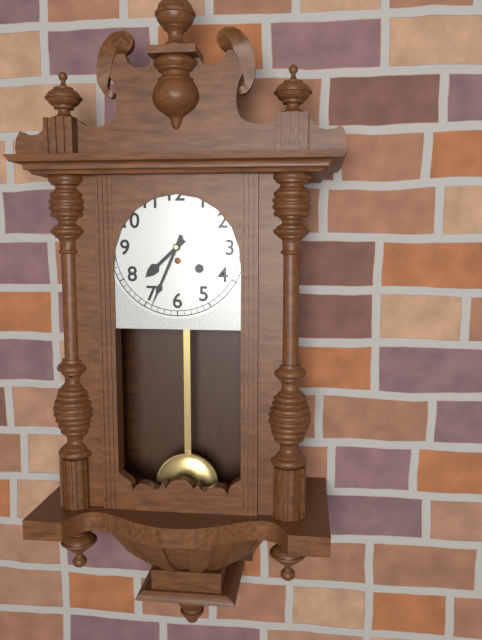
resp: 7h34
